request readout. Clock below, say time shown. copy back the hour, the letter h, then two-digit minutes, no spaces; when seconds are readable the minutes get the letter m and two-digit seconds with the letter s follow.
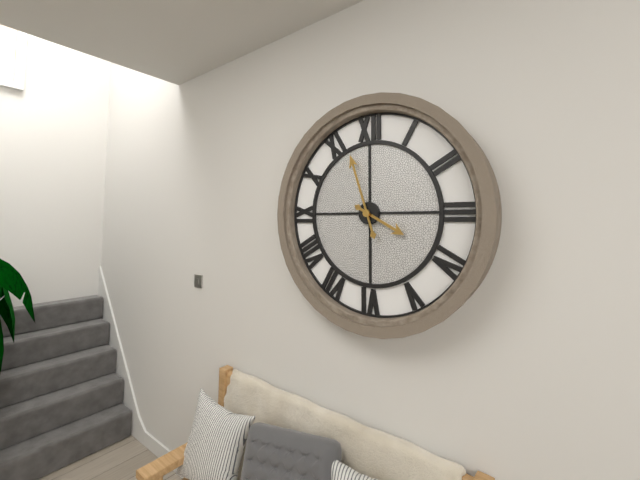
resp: 3h57
